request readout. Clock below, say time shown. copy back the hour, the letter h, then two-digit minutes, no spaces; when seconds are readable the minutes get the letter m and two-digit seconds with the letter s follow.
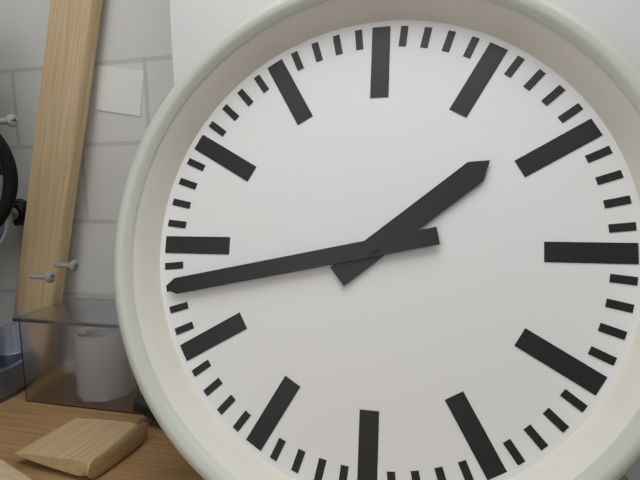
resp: 1h43
